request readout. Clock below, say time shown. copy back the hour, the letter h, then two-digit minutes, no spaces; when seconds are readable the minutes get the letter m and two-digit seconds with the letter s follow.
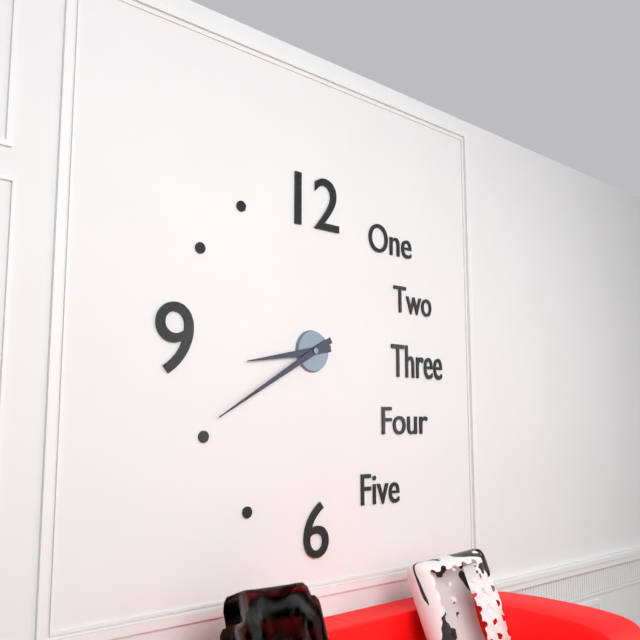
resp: 8h40
